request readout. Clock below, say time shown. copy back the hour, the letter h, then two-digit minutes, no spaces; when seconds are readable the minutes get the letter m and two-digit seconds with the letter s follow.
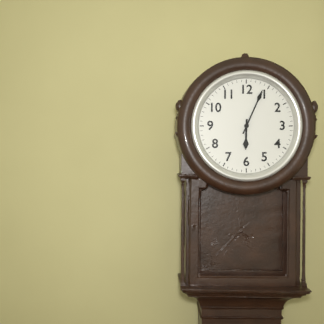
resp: 6h04
